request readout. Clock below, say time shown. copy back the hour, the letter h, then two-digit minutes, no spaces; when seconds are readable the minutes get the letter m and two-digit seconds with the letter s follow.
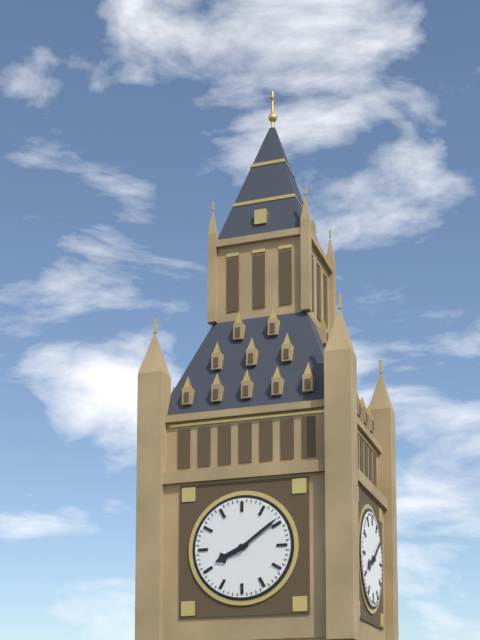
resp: 8h09
